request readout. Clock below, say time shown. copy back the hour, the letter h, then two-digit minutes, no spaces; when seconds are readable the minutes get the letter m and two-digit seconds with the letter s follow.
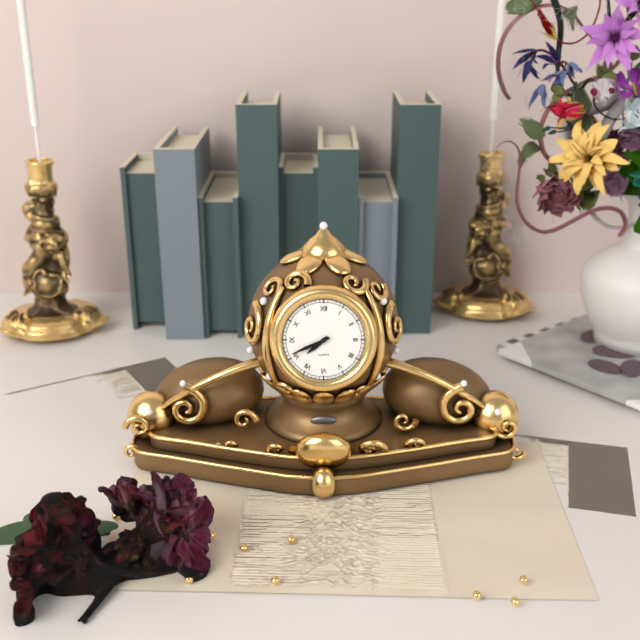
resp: 7h41
